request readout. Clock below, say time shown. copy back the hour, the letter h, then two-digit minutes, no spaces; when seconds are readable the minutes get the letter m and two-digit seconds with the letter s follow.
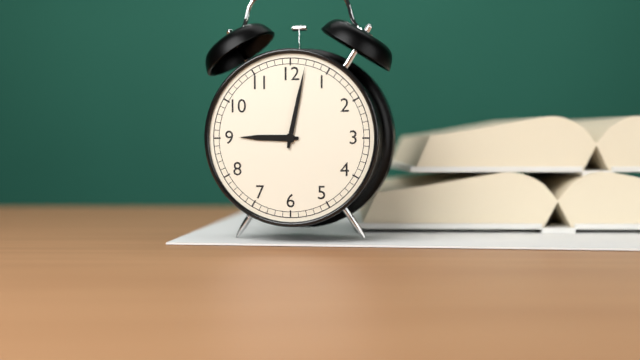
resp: 9h02
